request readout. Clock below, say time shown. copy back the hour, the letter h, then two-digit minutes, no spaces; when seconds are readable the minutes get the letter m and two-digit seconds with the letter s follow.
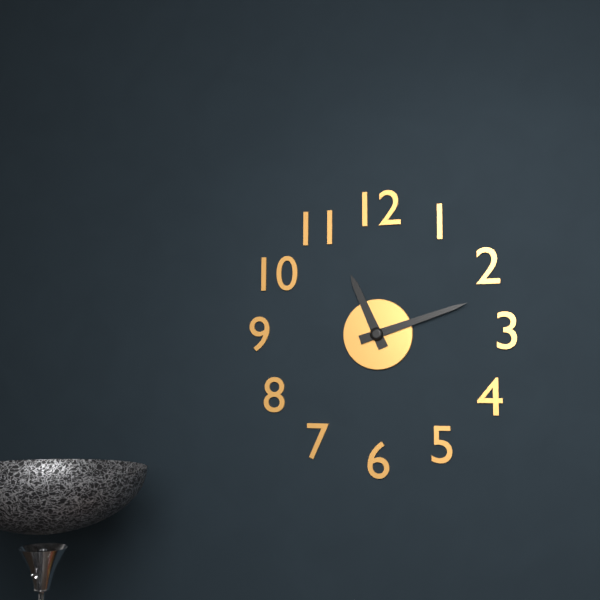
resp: 11h12
